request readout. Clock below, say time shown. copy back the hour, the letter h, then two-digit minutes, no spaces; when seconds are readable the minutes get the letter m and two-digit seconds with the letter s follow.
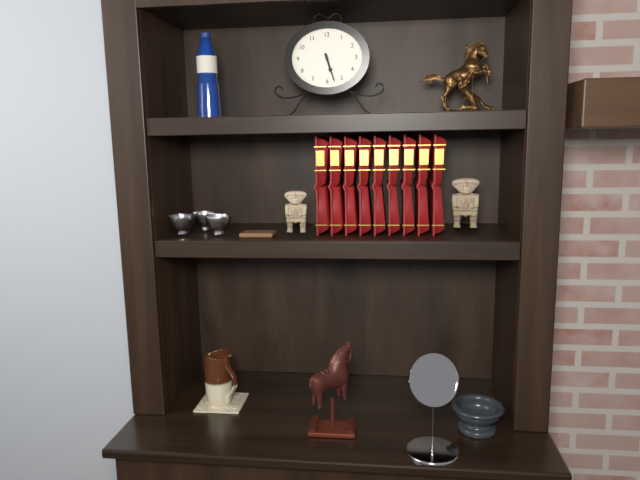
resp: 5h27
